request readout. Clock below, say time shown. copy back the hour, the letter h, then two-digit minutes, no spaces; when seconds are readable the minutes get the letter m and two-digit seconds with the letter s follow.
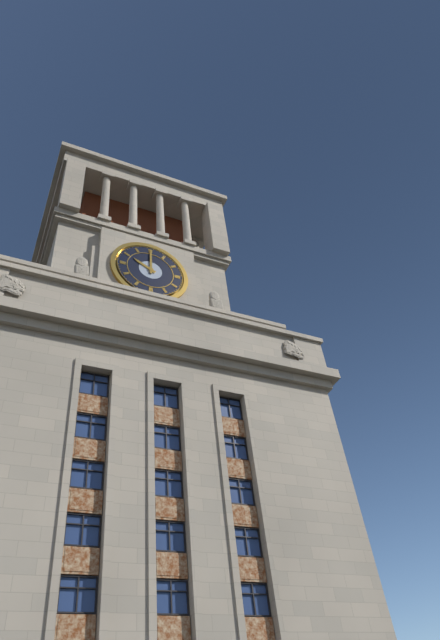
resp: 10h00
